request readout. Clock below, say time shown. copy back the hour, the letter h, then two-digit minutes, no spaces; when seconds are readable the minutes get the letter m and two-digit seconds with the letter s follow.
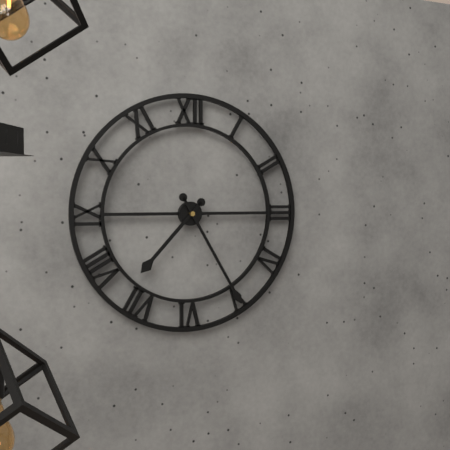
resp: 7h25
